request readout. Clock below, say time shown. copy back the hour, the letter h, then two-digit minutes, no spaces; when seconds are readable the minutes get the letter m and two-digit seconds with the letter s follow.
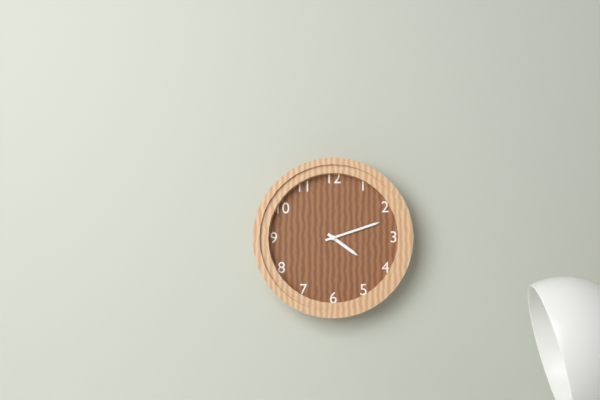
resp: 4h12
